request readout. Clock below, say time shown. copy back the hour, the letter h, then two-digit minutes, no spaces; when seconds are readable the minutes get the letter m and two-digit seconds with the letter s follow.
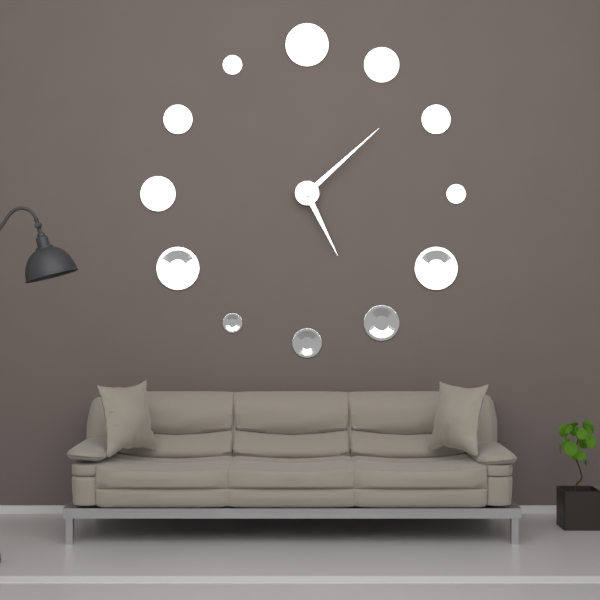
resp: 5h08
